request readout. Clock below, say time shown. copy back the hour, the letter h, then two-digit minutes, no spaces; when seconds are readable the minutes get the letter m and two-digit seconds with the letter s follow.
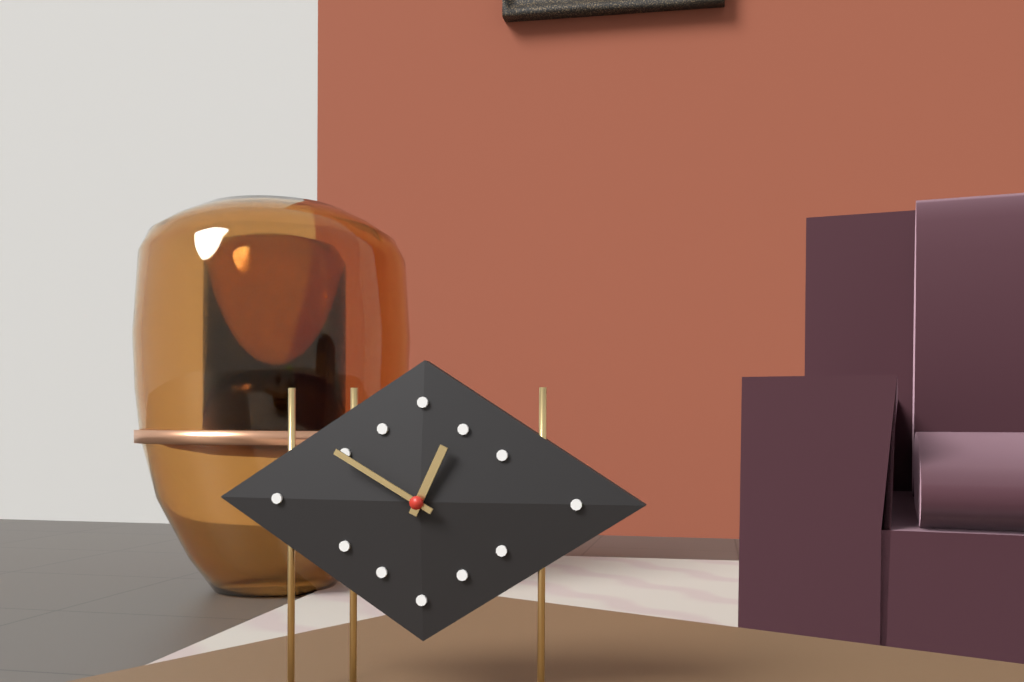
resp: 12h50
